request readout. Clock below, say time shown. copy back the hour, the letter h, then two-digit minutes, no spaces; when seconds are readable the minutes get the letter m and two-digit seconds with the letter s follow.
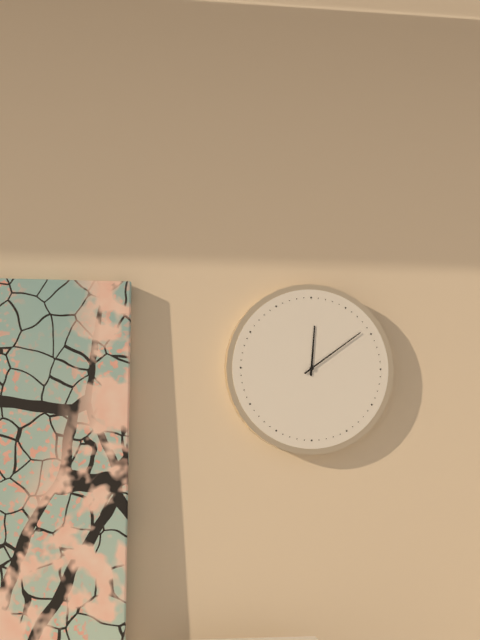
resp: 12h09
